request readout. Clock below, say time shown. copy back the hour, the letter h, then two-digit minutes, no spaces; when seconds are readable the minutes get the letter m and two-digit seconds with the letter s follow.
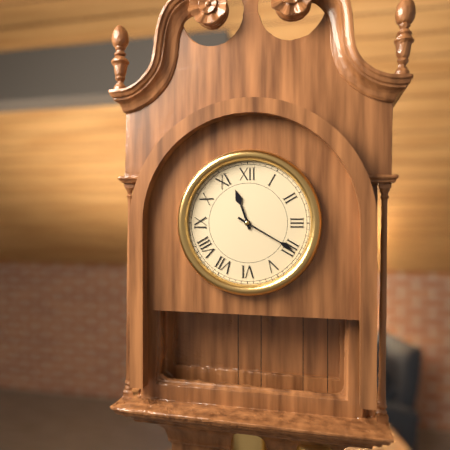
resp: 11h20
